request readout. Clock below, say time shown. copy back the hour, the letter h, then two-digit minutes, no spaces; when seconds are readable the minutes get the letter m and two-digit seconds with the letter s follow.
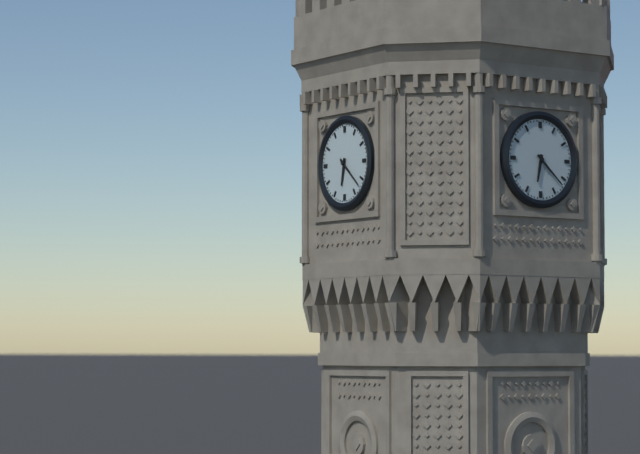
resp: 6h22
